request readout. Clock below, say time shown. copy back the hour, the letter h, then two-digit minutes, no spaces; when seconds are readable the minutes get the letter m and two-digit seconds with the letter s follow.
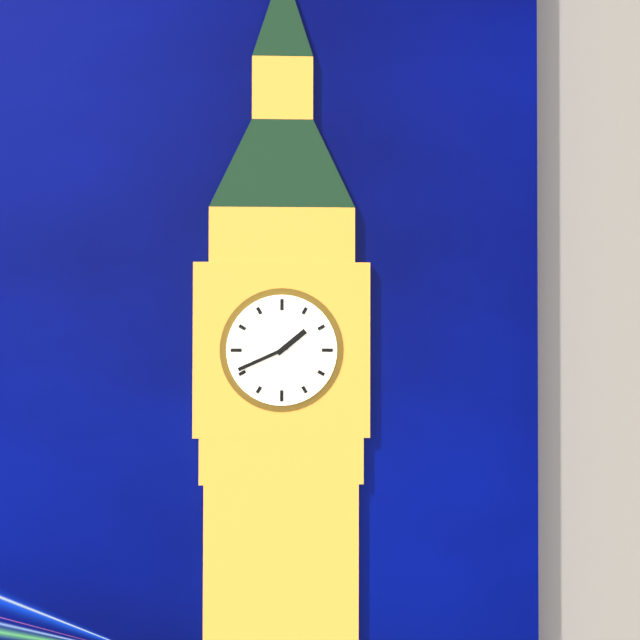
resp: 1h41
